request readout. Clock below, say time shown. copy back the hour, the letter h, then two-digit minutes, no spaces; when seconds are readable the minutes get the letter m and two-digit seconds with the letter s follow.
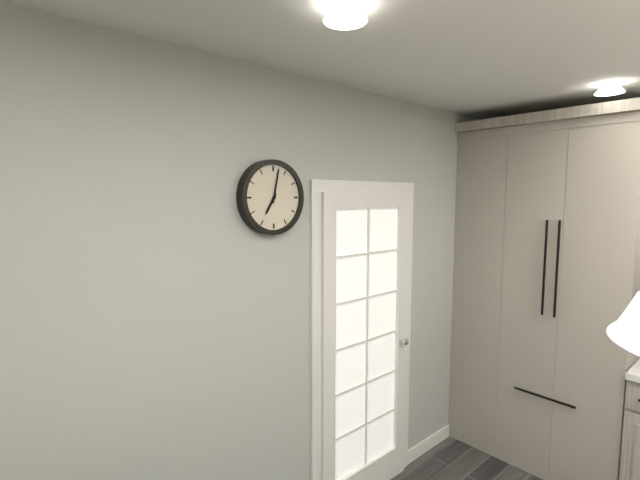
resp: 7h02
